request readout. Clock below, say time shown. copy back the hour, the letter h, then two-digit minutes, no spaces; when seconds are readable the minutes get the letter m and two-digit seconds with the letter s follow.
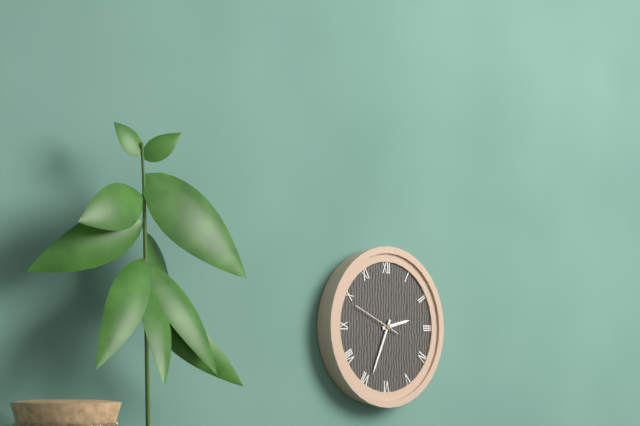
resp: 2h34
